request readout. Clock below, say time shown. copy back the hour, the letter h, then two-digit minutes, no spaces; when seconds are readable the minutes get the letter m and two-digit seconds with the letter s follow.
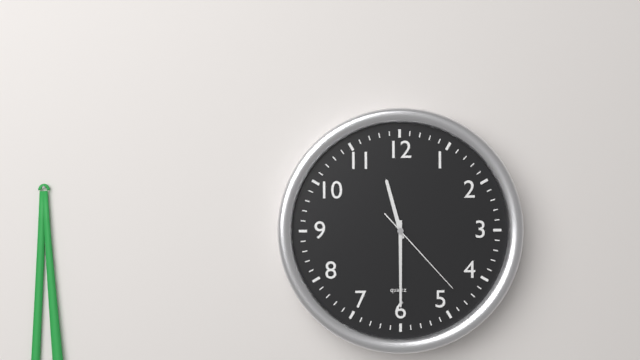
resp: 11h30m23s
